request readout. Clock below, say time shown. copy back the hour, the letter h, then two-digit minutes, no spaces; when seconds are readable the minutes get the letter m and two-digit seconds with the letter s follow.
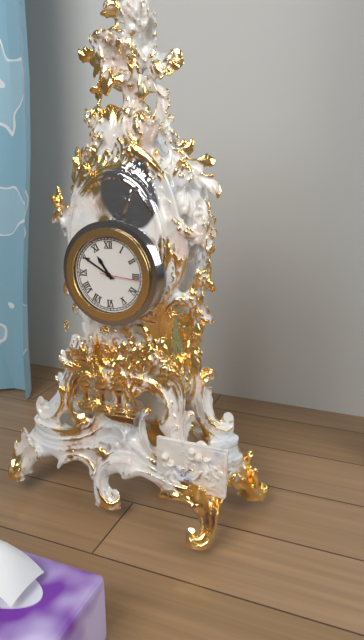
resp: 10h50
